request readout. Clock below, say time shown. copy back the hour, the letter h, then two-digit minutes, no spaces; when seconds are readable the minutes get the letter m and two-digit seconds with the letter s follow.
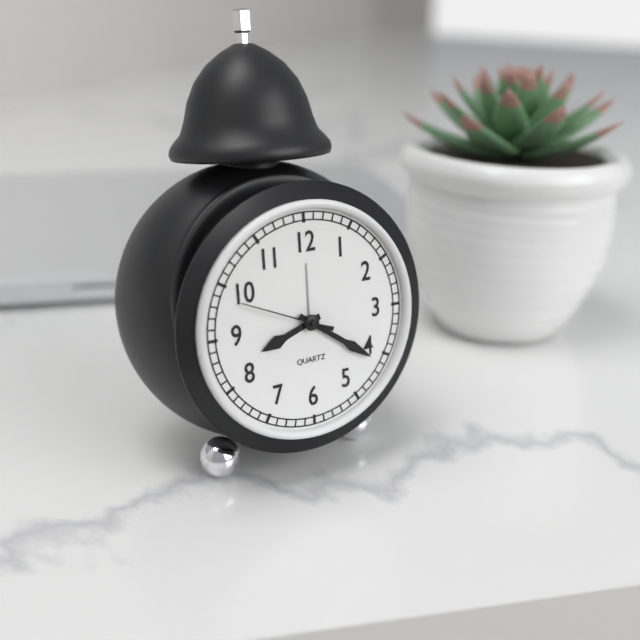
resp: 8h21m49s
